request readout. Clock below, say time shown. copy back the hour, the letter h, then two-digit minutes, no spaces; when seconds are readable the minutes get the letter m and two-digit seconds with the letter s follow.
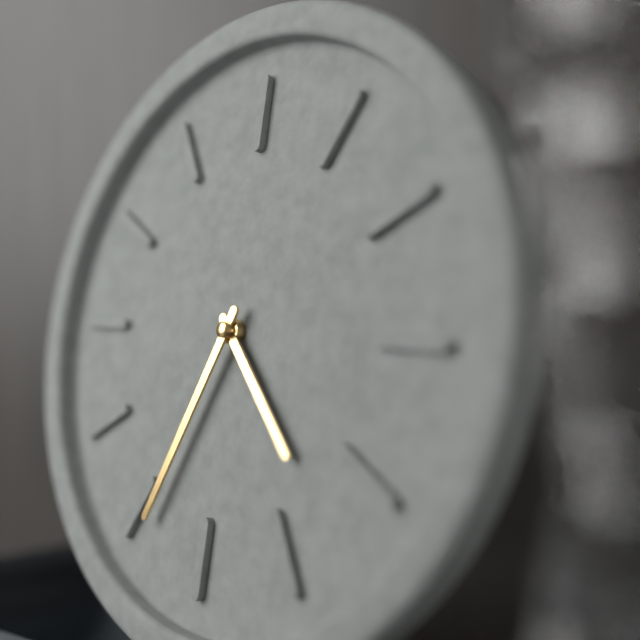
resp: 4h34
